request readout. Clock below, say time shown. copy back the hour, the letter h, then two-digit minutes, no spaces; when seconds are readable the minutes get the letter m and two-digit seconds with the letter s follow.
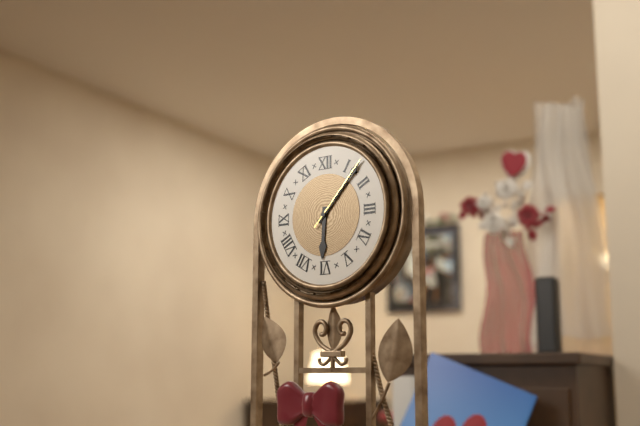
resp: 6h07m07s
